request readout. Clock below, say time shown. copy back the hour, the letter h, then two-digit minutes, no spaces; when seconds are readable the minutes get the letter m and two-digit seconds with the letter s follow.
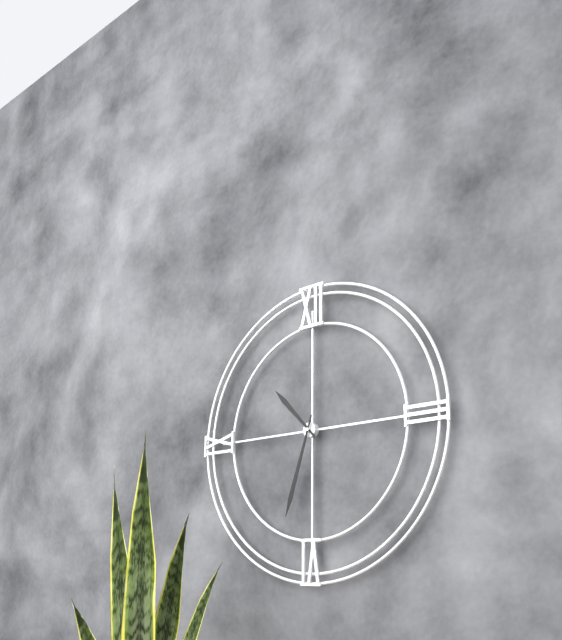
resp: 10h33
